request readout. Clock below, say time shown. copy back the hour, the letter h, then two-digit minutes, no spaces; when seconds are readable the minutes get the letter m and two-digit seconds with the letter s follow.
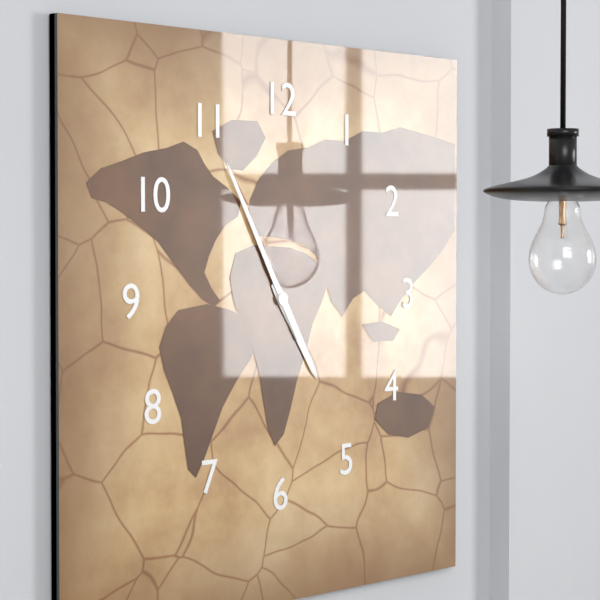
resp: 4h55
